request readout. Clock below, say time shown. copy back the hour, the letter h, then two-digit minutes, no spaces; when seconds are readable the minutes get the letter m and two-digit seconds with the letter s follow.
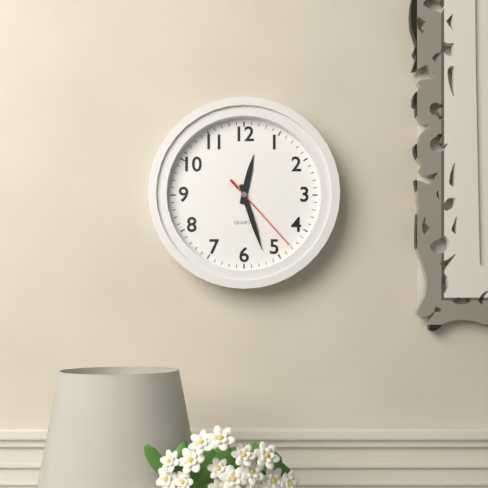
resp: 12h27m23s
